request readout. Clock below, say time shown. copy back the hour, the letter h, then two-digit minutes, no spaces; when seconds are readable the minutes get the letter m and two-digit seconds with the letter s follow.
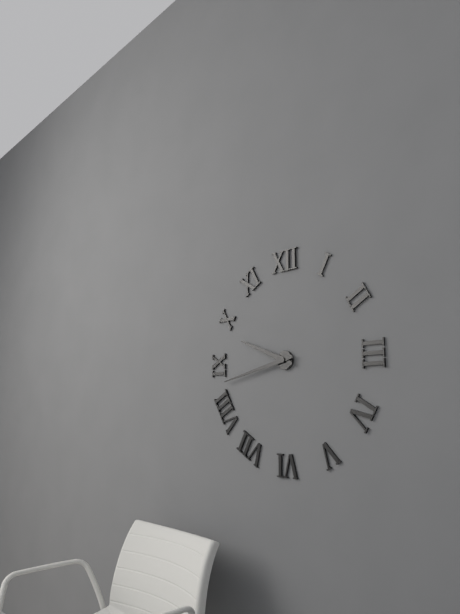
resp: 9h43
